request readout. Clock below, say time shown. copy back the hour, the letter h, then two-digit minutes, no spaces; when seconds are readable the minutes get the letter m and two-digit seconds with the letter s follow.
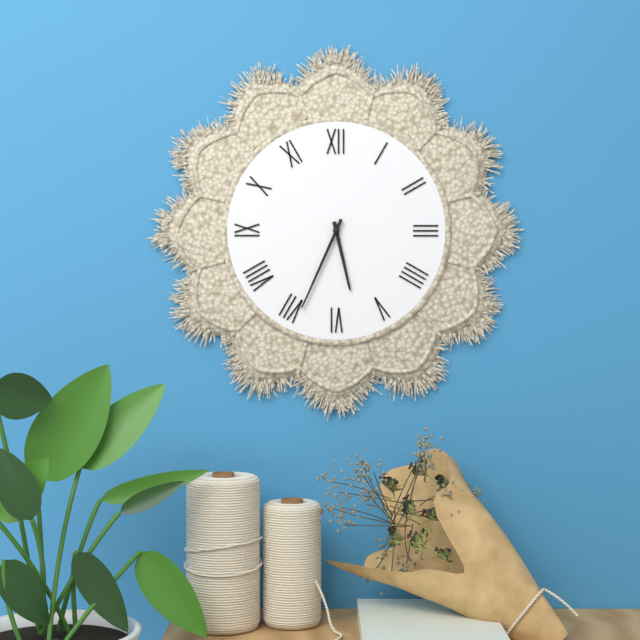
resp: 5h34
